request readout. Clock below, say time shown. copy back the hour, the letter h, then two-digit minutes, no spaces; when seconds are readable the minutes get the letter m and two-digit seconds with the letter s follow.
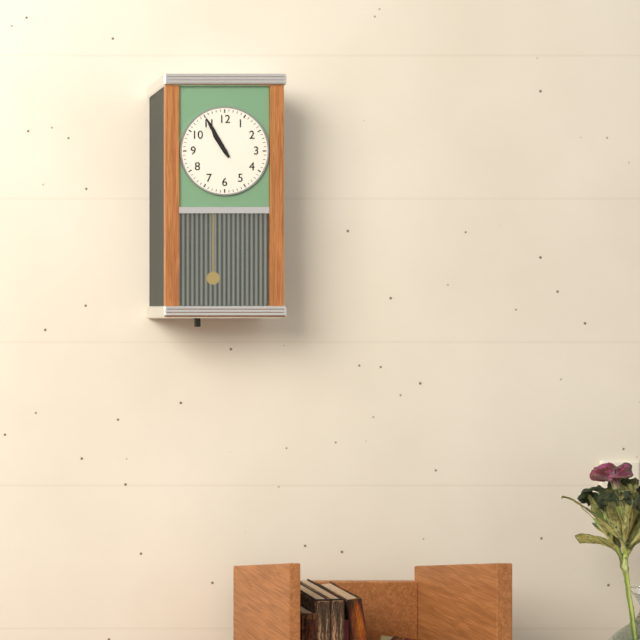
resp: 10h55
